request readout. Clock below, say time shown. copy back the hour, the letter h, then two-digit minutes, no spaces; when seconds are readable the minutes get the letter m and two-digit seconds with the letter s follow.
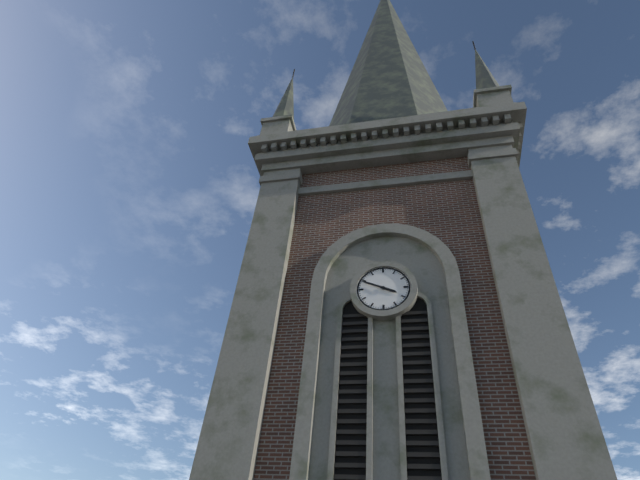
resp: 3h49
